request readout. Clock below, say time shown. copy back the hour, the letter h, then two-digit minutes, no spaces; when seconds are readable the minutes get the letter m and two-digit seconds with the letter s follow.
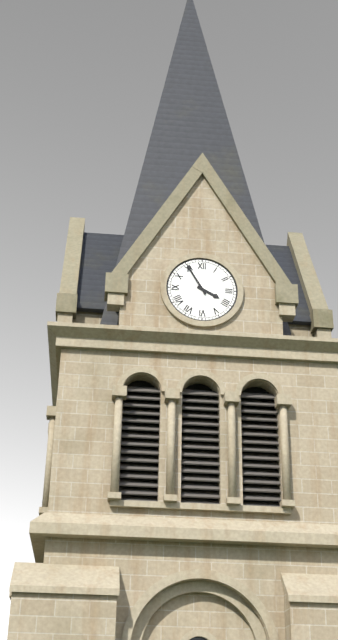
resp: 3h55
